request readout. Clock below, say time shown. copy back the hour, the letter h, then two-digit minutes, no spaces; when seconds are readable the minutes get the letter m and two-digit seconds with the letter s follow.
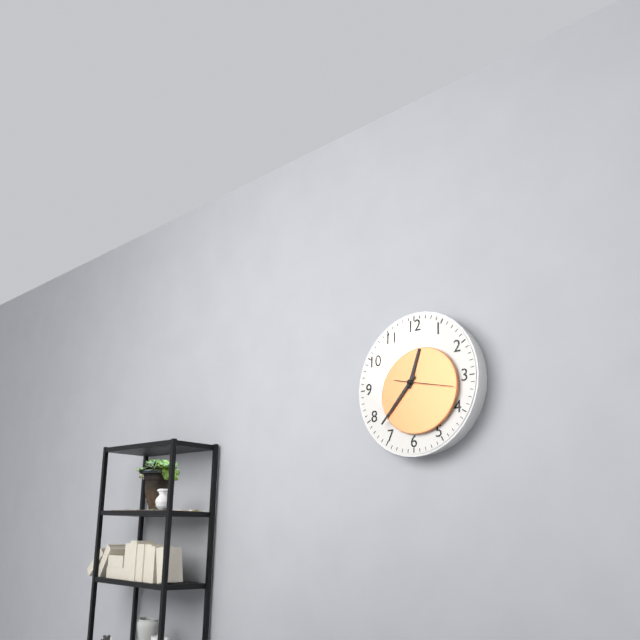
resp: 12h37m17s
